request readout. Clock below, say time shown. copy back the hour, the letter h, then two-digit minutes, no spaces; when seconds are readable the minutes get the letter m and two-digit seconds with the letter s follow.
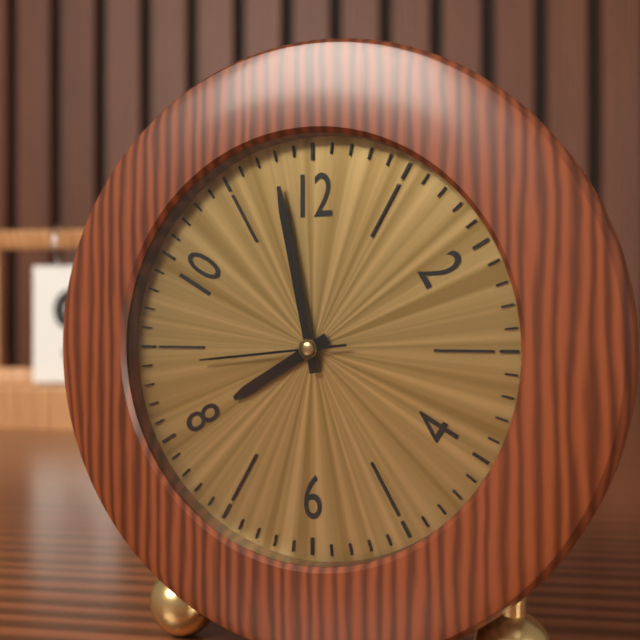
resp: 7h58m44s
